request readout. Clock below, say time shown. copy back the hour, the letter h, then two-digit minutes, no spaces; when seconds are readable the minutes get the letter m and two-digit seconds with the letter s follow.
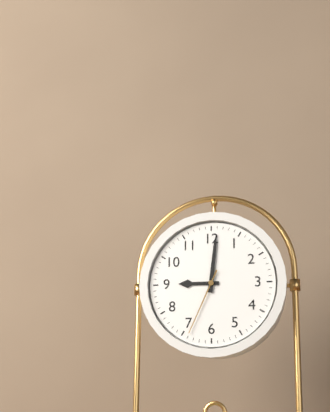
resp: 9h01m34s
